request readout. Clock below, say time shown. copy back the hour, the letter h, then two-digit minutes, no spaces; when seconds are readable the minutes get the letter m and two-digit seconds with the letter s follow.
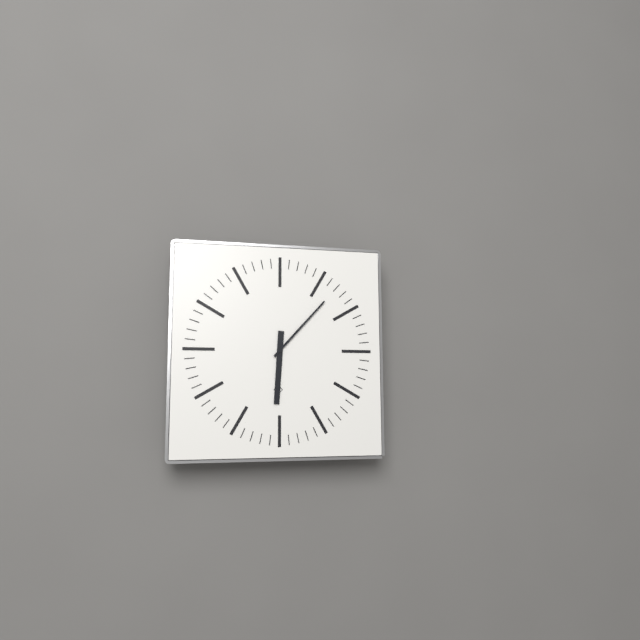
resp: 6h07
